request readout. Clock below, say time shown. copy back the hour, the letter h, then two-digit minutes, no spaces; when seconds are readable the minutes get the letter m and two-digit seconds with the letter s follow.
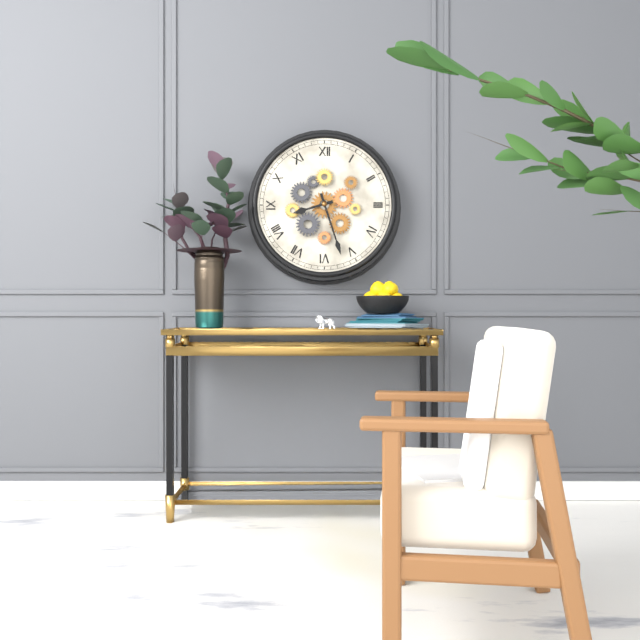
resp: 8h27
